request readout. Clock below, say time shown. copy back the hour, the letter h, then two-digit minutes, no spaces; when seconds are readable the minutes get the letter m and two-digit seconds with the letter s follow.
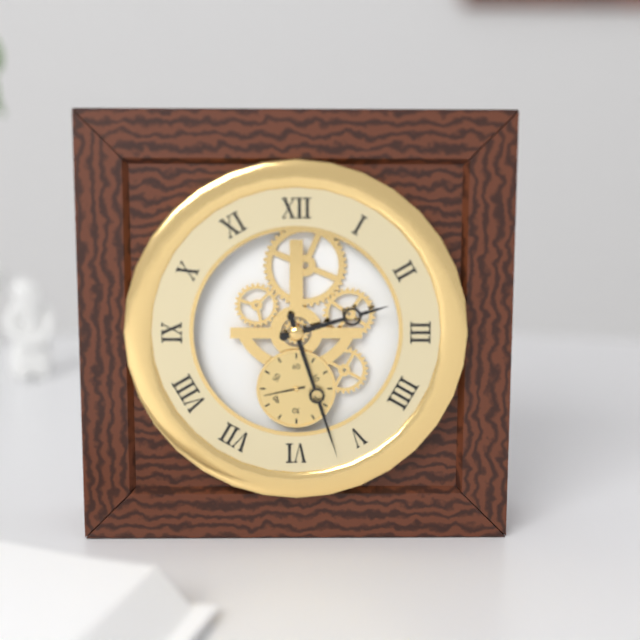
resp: 2h27
